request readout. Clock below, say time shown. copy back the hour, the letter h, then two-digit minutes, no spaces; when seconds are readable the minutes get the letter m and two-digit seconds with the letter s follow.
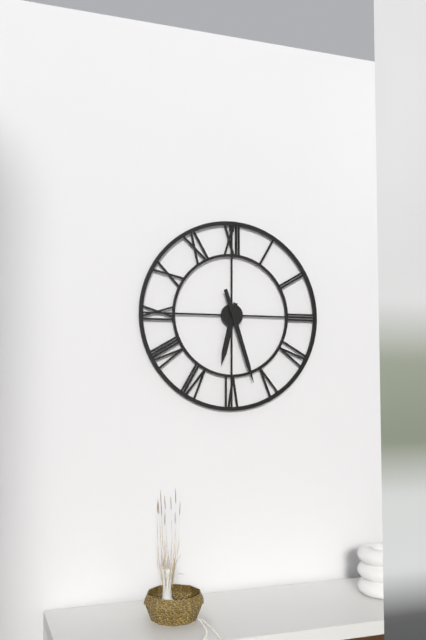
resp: 6h27
